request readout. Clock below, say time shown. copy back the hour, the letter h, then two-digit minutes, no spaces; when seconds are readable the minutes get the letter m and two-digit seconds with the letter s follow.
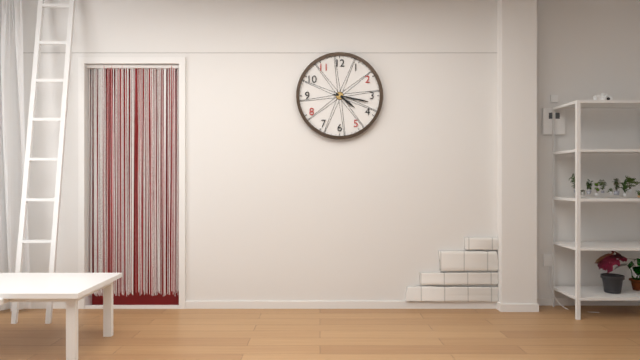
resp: 4h17
